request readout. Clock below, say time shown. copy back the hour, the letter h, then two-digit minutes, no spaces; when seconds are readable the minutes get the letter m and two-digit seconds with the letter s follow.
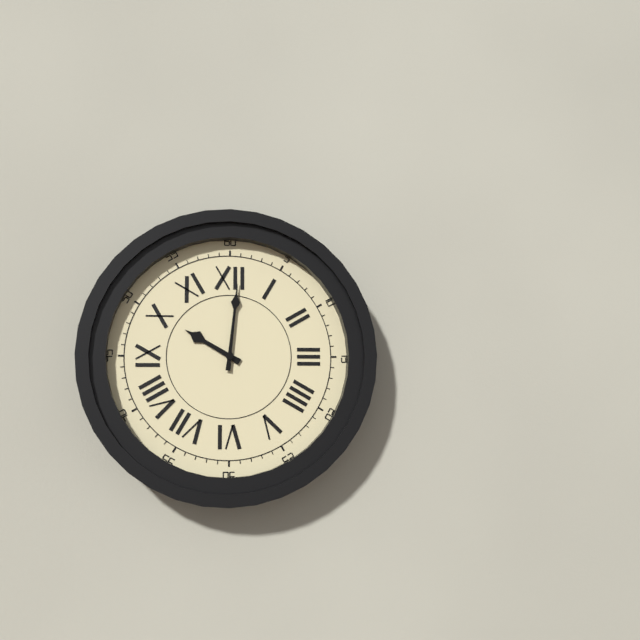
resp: 10h01
